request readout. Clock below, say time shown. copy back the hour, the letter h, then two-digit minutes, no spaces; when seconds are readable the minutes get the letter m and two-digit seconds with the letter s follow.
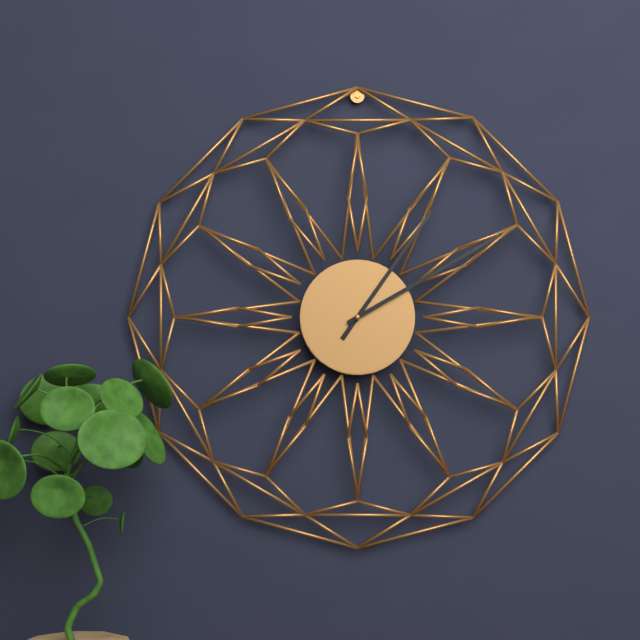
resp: 1h10
